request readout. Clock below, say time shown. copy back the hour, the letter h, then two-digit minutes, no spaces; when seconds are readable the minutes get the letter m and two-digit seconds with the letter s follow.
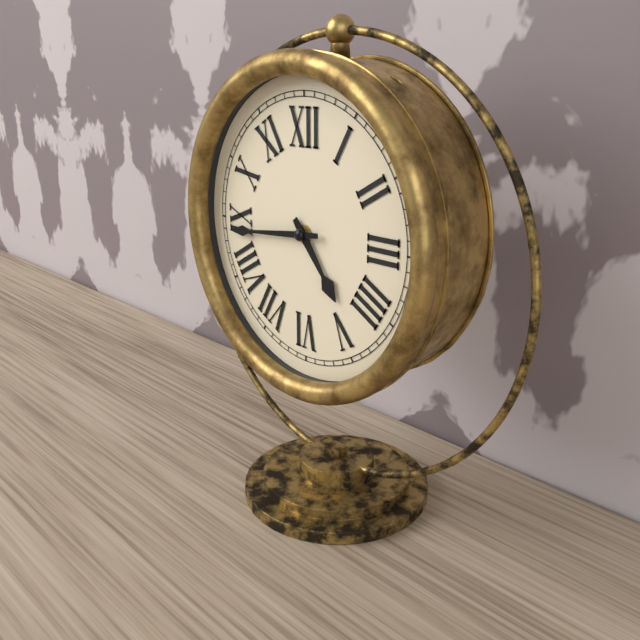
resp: 4h44
